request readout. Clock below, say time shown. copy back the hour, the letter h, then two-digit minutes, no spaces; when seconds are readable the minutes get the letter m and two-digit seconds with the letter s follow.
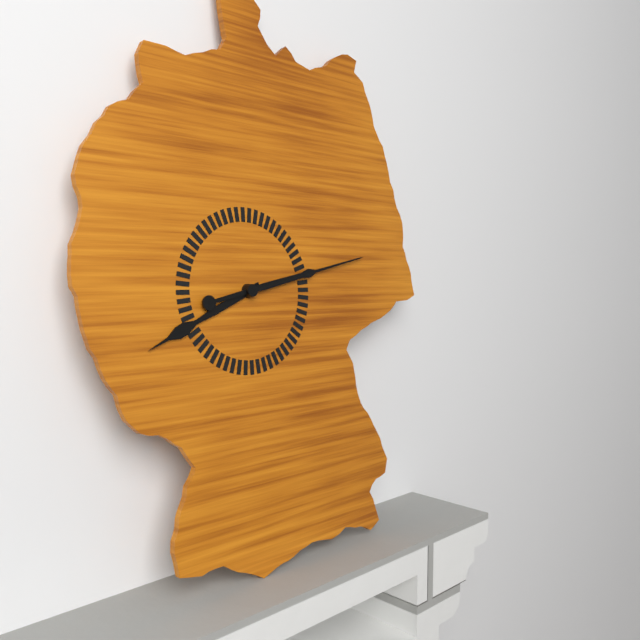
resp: 8h13
